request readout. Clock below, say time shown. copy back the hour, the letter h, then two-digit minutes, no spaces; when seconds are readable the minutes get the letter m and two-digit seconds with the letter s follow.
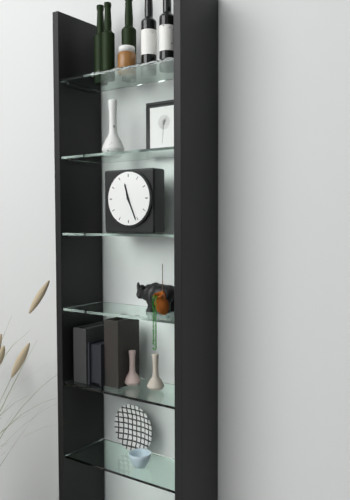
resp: 11h26
